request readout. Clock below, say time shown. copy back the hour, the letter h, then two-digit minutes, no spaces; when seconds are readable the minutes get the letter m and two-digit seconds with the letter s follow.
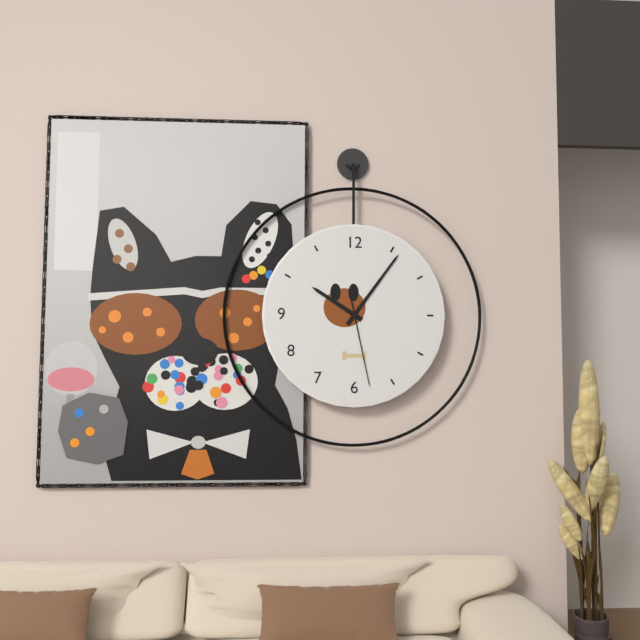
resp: 10h06m28s
